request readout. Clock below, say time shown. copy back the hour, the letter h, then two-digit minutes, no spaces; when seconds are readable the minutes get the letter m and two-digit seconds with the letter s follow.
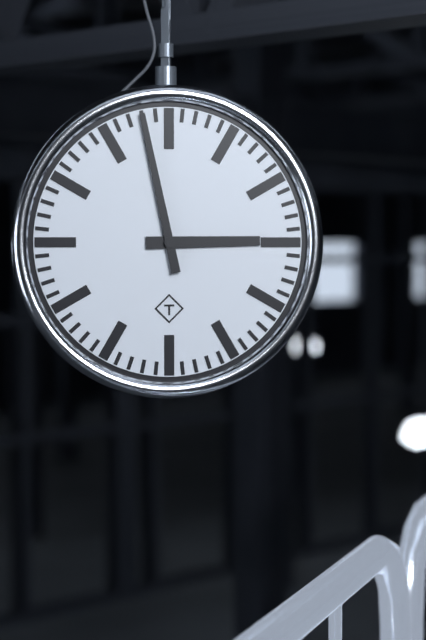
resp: 2h58
